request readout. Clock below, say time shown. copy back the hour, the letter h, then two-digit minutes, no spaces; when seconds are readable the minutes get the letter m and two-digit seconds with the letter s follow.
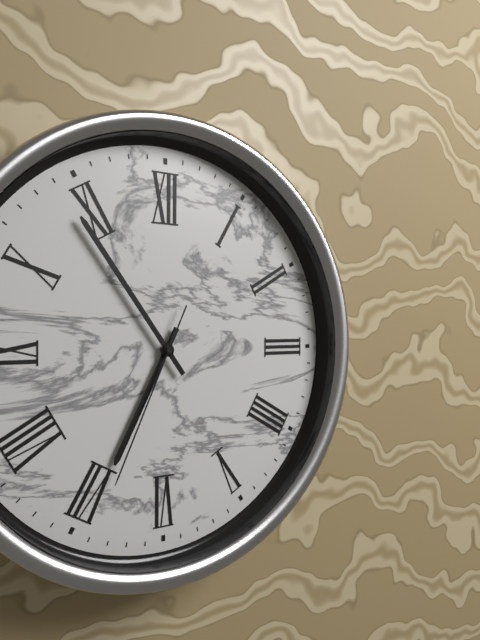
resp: 6h54m34s
